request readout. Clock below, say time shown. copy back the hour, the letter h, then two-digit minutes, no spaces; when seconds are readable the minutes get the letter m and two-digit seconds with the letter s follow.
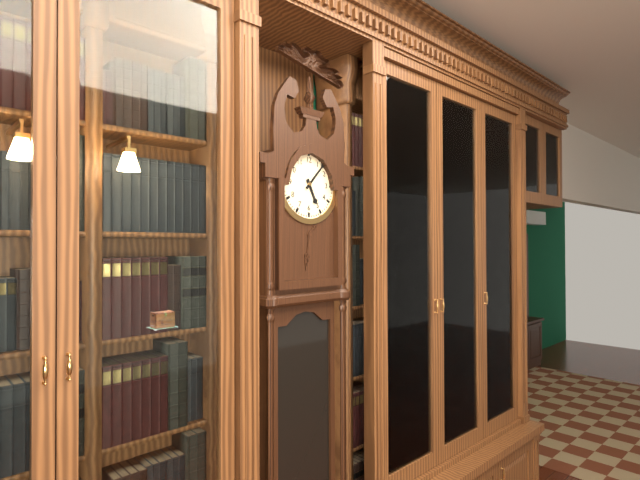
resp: 5h07
